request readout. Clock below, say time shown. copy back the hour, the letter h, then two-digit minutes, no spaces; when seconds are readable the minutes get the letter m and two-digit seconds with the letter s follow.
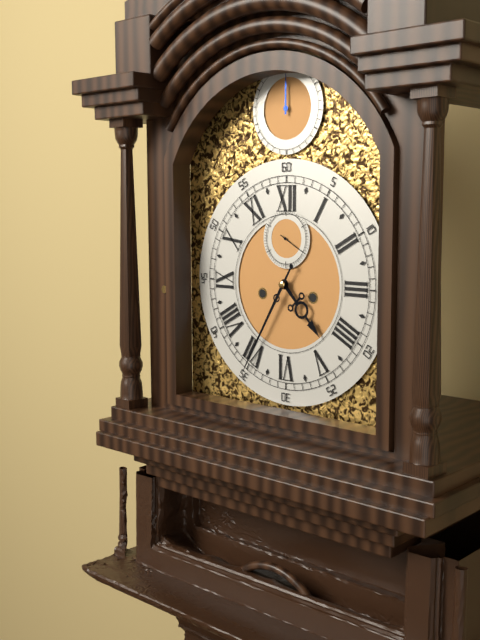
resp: 4h35
